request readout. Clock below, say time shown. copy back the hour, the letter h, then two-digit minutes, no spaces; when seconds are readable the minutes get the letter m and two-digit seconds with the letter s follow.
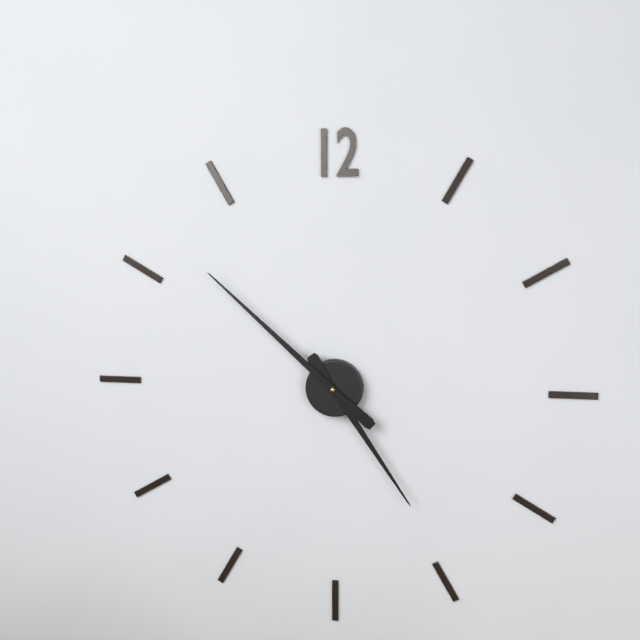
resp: 4h52
